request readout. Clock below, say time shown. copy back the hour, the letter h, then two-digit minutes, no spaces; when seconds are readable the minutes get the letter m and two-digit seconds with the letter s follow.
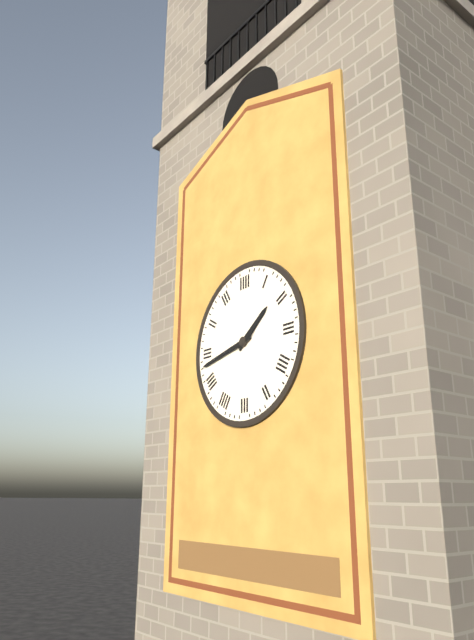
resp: 1h43
